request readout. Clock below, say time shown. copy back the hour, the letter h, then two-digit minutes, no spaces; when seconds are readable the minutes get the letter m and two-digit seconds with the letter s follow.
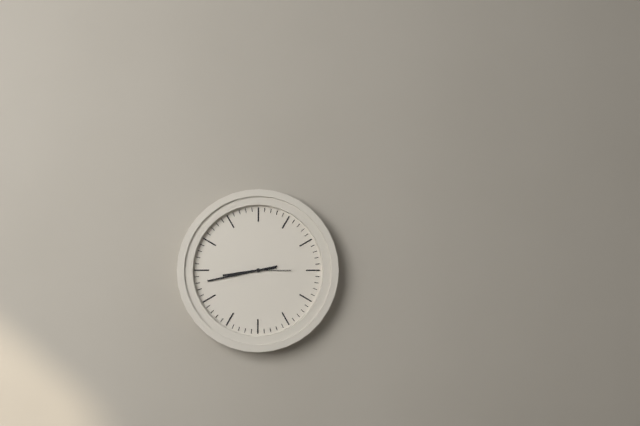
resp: 8h43
